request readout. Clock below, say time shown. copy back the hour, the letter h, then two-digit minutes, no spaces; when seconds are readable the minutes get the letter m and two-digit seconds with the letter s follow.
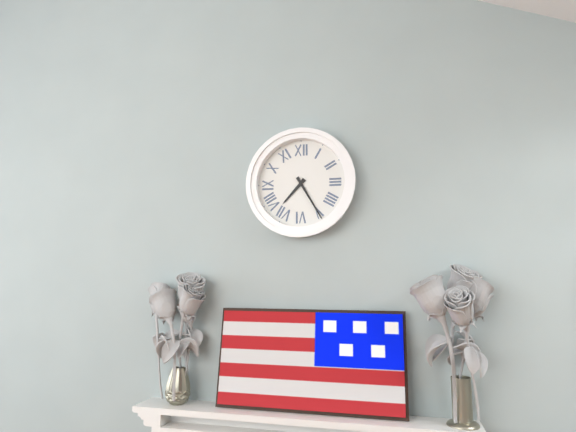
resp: 7h25
